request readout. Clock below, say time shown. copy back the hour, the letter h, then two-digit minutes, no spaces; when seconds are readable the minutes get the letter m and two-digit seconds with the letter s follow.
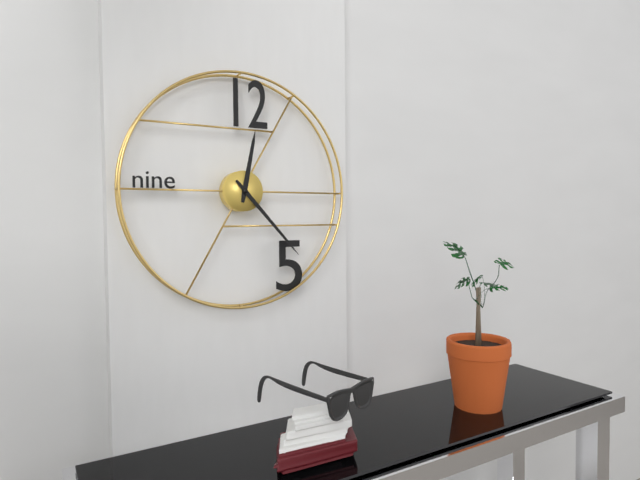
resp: 12h23
